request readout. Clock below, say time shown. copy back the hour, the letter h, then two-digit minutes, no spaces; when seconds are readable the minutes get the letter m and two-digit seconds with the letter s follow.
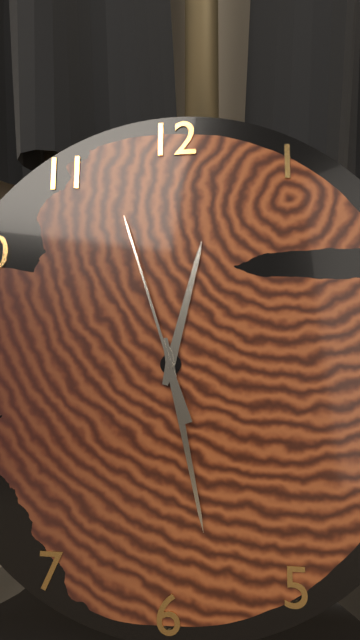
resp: 12h28m57s
